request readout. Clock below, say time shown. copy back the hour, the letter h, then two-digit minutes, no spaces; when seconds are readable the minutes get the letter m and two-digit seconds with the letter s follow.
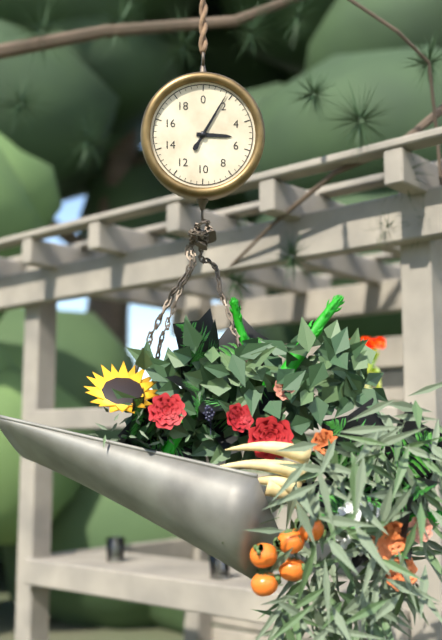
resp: 3h05
